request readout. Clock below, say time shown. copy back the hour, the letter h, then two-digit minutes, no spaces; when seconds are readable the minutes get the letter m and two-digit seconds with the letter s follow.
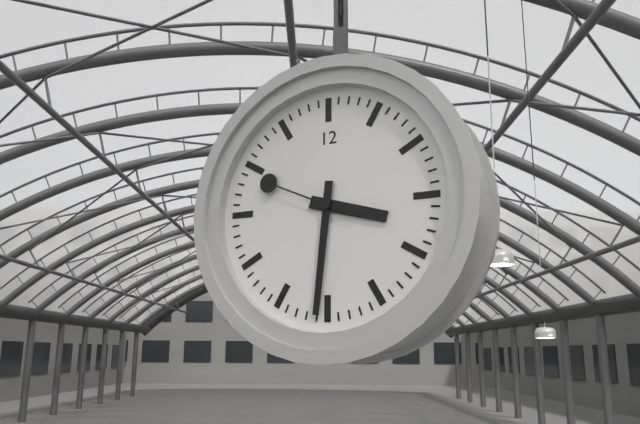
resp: 3h31m49s
